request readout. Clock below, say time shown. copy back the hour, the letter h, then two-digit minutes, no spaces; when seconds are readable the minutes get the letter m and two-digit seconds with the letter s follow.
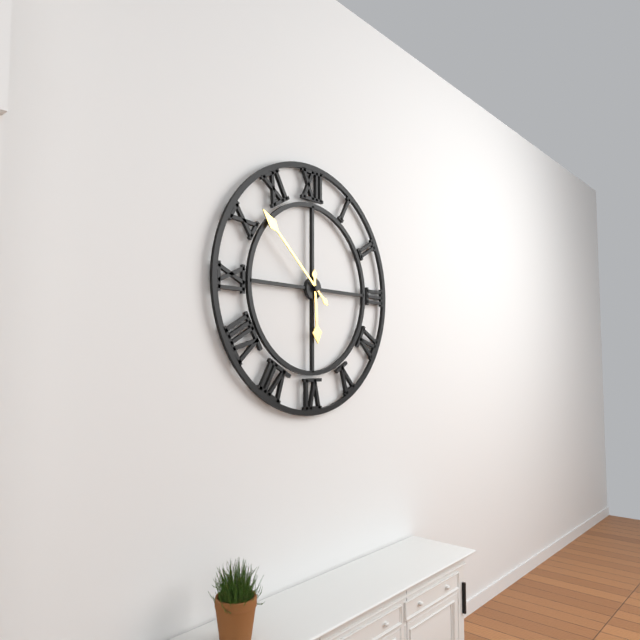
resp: 5h52
